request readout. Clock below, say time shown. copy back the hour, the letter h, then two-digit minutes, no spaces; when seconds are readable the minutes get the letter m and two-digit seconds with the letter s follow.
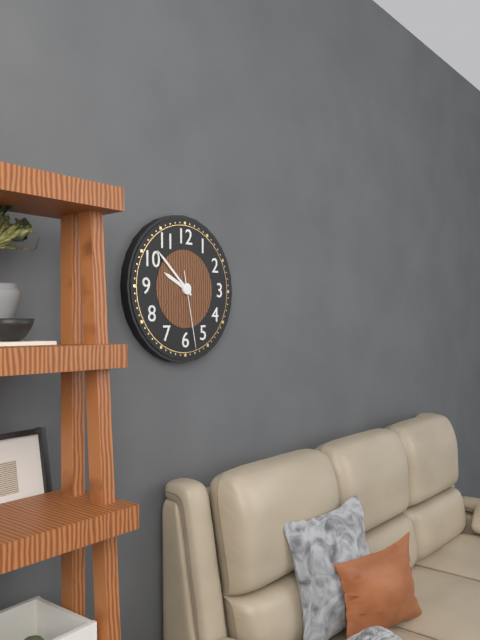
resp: 9h52m28s
